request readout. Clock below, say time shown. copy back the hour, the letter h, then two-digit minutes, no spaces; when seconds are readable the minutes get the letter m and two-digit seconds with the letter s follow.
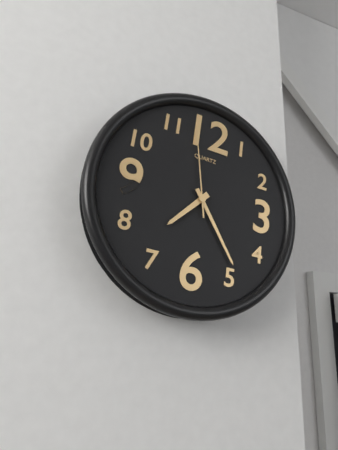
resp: 7h24m58s
